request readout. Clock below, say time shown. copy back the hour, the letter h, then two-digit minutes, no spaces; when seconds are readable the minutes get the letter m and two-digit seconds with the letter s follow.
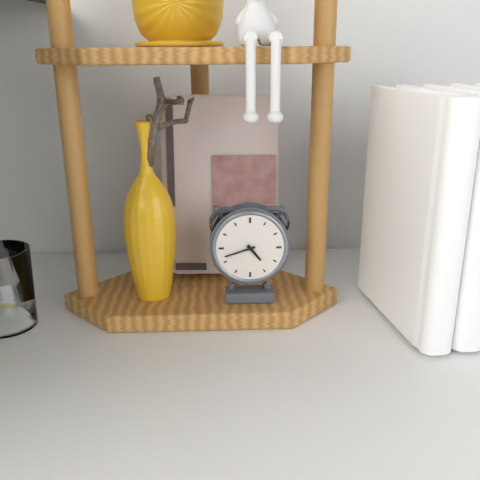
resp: 4h42
